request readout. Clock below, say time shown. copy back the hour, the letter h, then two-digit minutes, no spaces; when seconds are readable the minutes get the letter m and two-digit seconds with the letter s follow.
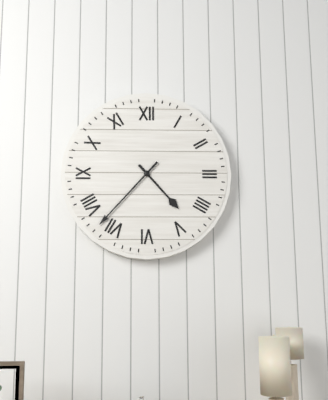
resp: 4h37
